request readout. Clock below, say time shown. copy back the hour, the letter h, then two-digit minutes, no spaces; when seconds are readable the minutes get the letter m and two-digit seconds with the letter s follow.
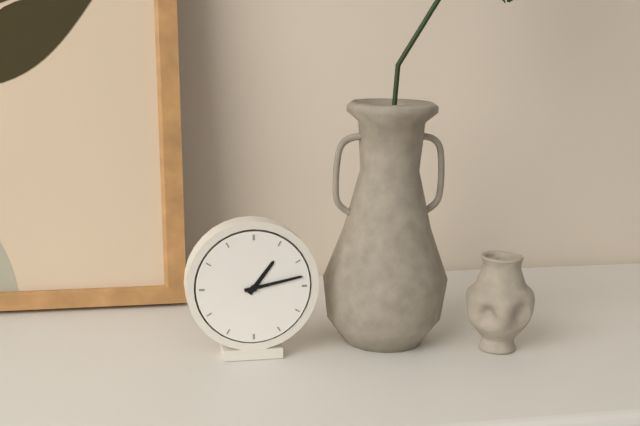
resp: 1h13
